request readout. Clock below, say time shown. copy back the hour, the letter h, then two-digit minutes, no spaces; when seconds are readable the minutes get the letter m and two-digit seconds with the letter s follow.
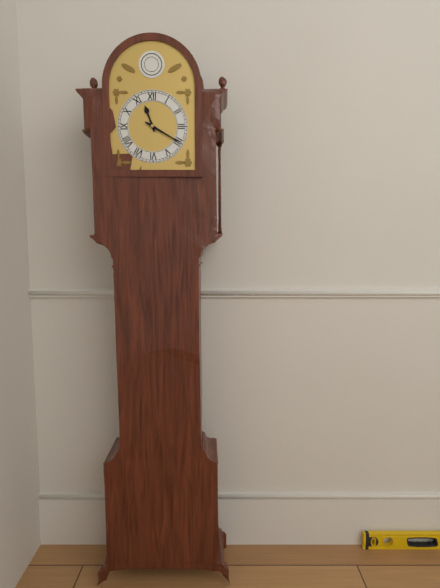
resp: 11h20
